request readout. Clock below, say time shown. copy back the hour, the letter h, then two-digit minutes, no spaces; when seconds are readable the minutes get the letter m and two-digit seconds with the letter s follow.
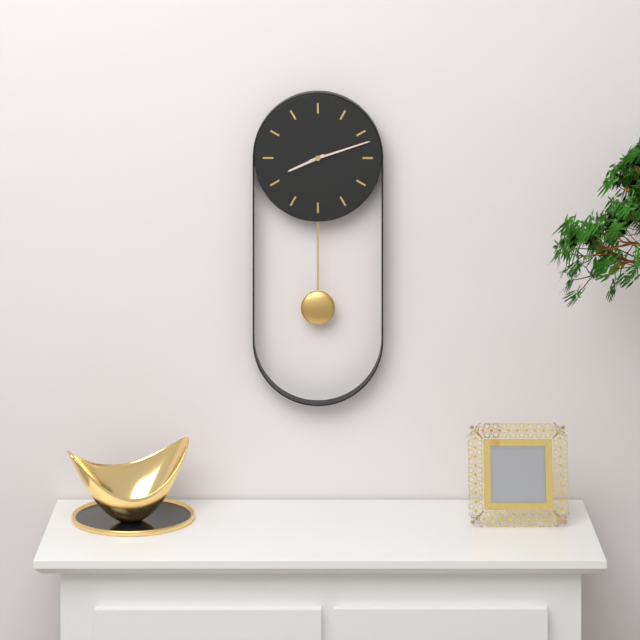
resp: 8h12
